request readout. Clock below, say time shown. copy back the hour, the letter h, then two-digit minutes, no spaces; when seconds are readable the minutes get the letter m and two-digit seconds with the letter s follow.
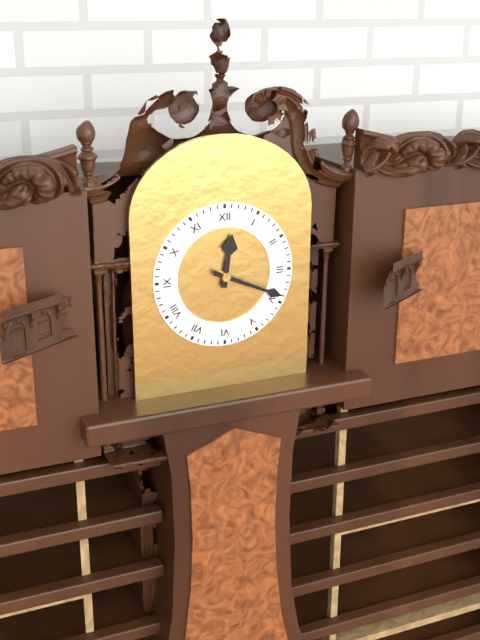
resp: 12h19
